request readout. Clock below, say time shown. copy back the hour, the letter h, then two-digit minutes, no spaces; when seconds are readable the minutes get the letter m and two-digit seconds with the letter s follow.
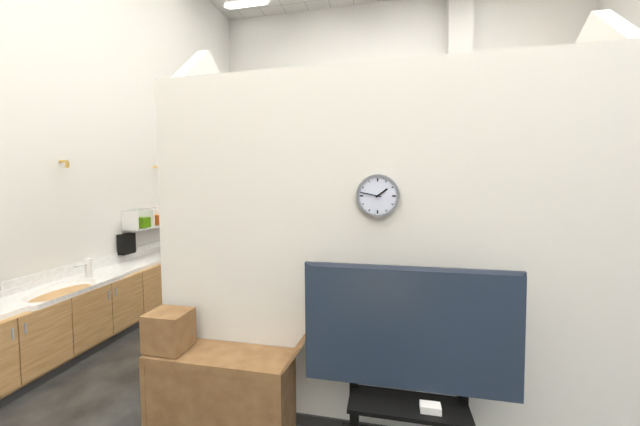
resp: 1h47
